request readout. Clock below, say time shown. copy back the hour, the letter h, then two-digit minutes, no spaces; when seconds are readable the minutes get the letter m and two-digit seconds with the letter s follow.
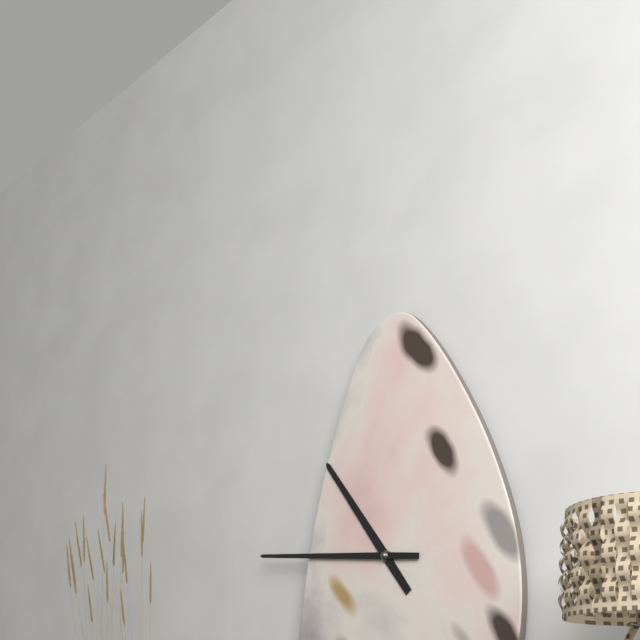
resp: 10h46
